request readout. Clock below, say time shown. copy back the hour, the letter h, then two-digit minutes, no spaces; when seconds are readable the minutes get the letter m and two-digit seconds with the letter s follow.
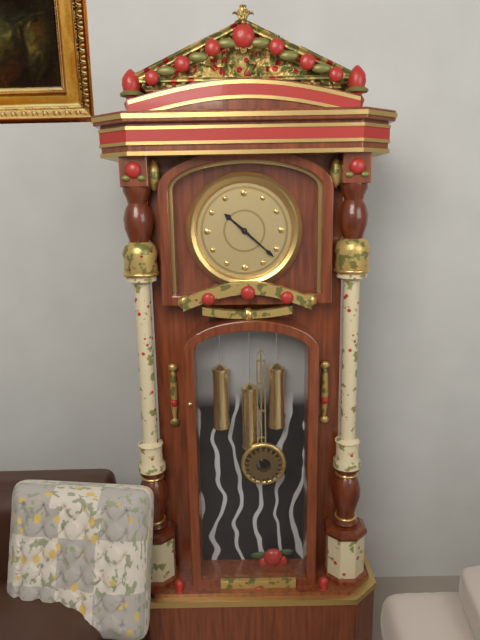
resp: 10h22
